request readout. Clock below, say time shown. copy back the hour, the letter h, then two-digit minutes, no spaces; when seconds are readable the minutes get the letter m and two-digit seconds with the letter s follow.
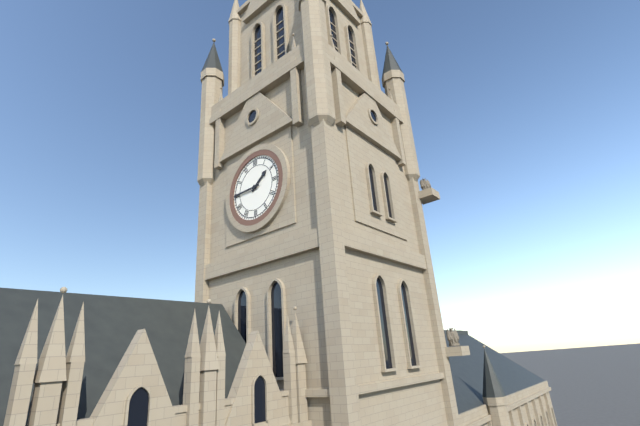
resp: 1h45
